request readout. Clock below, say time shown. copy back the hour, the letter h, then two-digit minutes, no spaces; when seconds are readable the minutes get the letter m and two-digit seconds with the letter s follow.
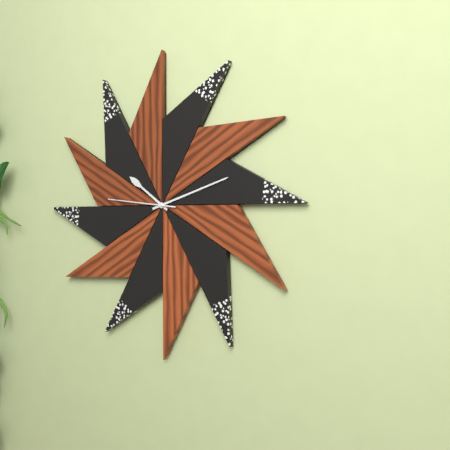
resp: 10h12m46s
